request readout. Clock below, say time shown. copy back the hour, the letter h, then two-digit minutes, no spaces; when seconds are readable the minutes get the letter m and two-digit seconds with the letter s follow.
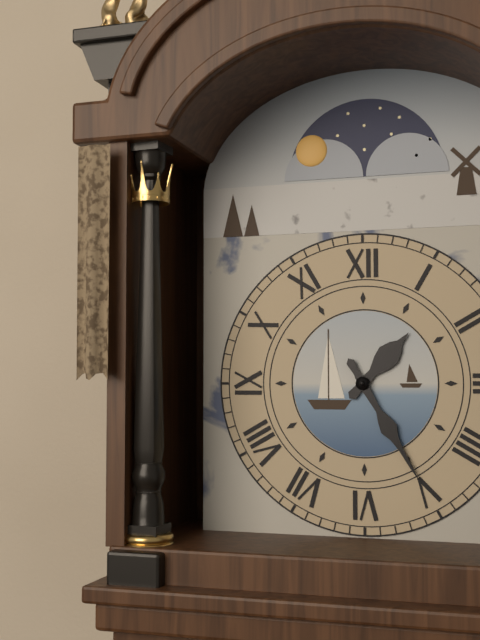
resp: 1h25
